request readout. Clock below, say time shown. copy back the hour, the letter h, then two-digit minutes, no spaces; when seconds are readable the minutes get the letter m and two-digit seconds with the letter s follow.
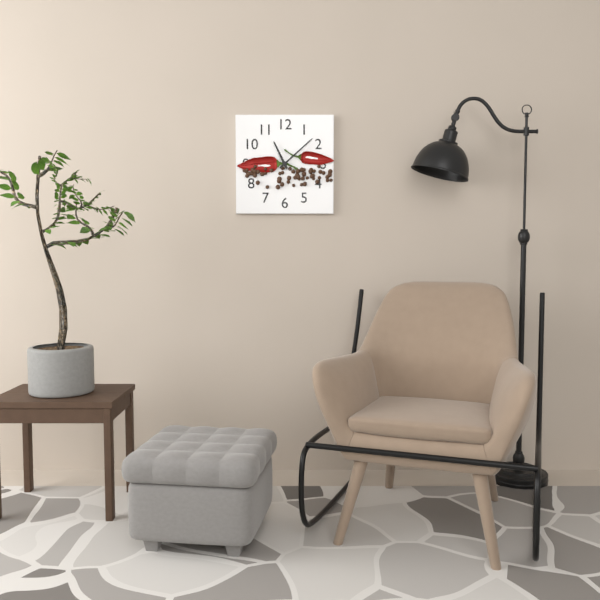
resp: 11h08
